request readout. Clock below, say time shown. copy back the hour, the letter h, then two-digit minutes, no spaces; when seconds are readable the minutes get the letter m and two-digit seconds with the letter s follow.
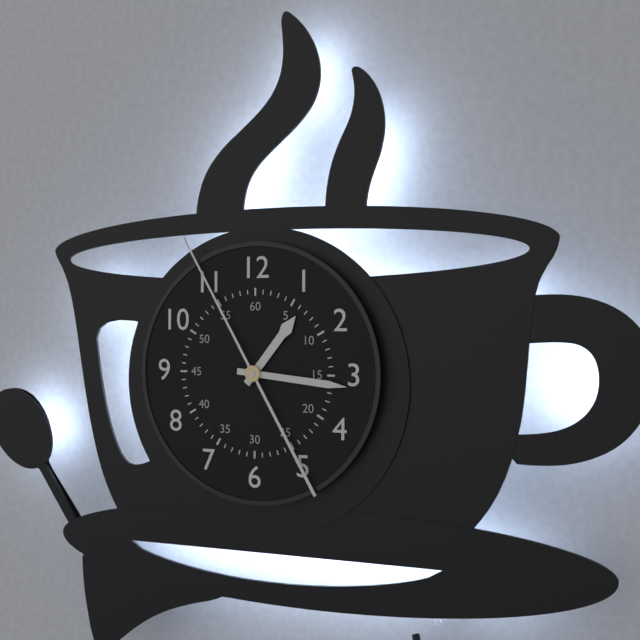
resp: 1h16m55s
